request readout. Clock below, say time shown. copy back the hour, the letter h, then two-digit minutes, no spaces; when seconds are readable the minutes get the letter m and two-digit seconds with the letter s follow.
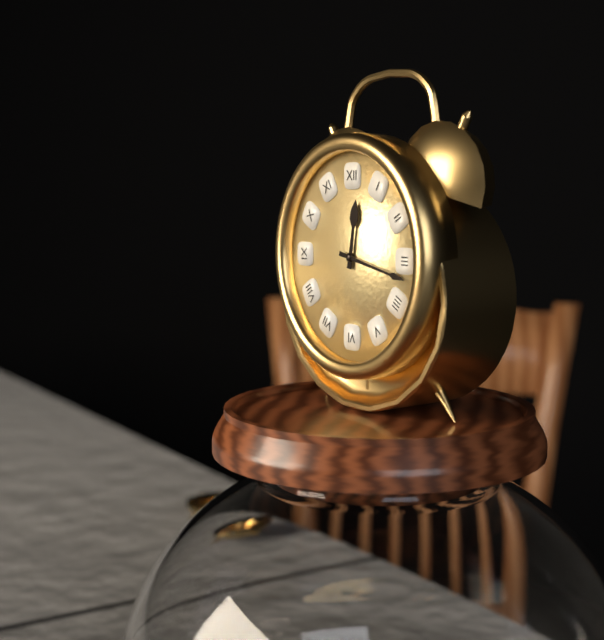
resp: 12h17
